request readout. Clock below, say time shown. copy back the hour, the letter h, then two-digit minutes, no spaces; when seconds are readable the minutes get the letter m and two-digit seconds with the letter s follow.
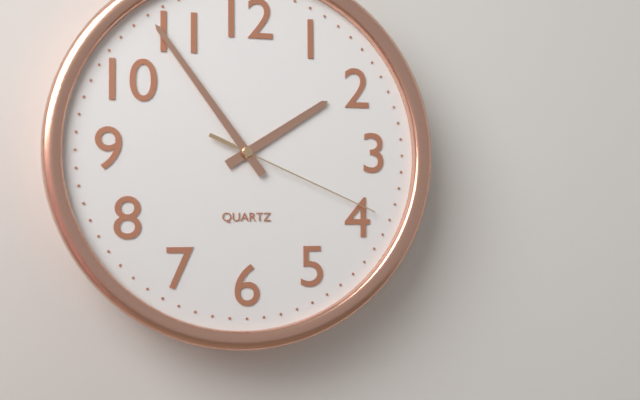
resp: 1h54m19s
